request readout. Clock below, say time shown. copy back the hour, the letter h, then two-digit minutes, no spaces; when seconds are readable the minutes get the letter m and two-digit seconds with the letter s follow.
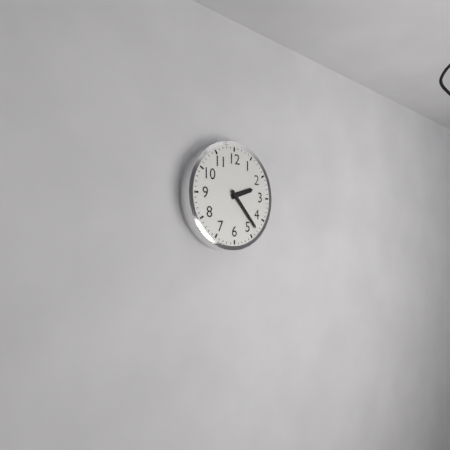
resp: 2h23
